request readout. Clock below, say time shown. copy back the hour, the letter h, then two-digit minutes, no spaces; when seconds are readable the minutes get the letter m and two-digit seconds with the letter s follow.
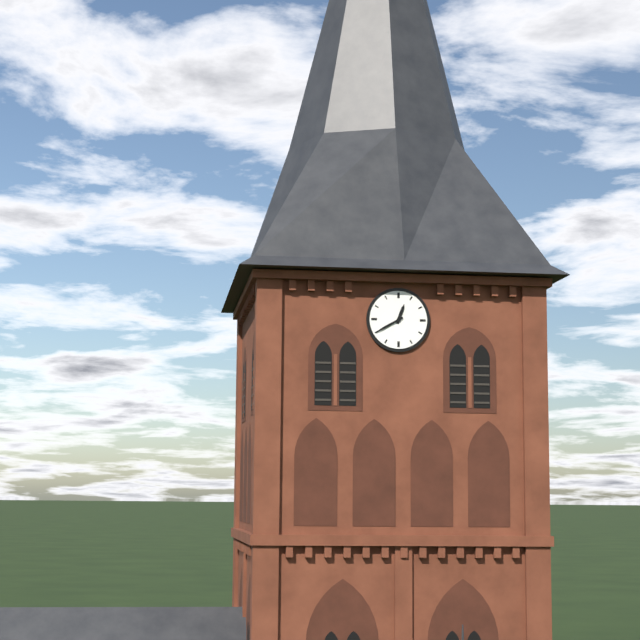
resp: 12h40
